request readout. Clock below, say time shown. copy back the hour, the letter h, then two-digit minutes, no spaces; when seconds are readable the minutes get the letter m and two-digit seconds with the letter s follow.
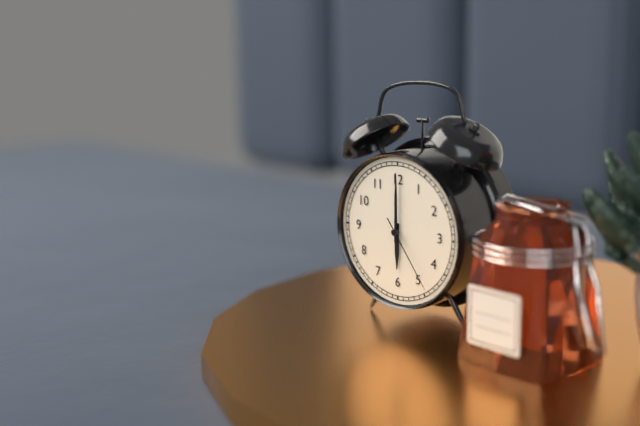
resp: 6h00m24s
